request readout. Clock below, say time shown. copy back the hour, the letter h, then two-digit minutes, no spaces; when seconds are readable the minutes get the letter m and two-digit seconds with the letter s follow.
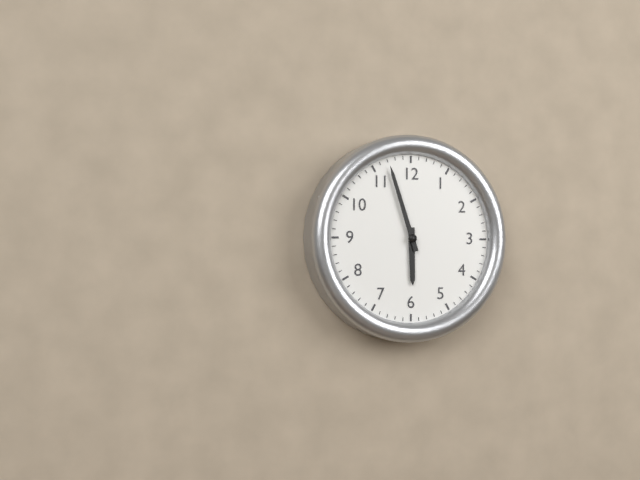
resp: 5h57
